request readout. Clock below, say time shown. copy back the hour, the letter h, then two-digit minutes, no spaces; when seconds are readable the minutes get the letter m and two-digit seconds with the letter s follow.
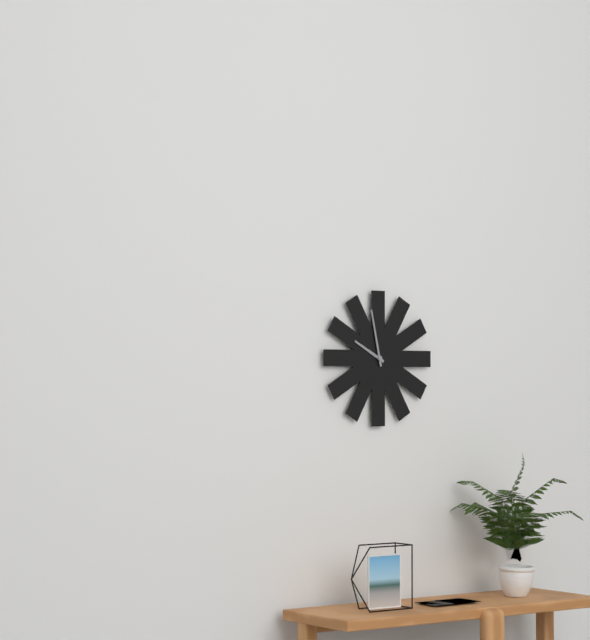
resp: 9h58
